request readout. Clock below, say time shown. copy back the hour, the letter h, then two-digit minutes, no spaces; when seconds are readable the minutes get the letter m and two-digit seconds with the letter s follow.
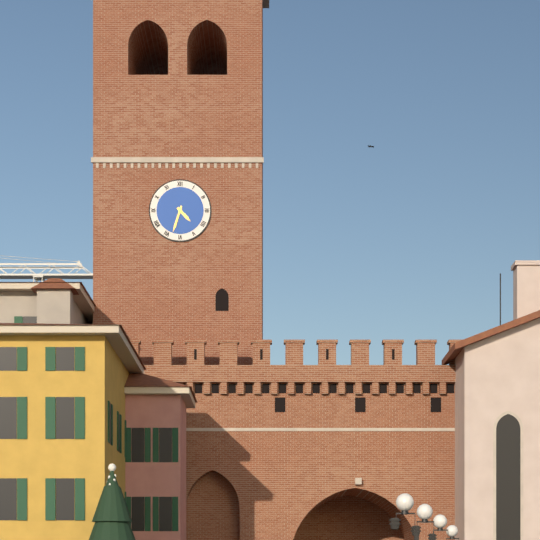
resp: 4h33
